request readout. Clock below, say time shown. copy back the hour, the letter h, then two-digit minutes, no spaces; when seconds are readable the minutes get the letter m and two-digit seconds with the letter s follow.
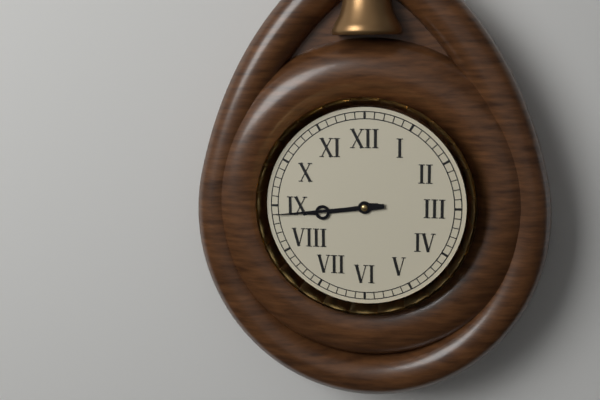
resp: 8h44
